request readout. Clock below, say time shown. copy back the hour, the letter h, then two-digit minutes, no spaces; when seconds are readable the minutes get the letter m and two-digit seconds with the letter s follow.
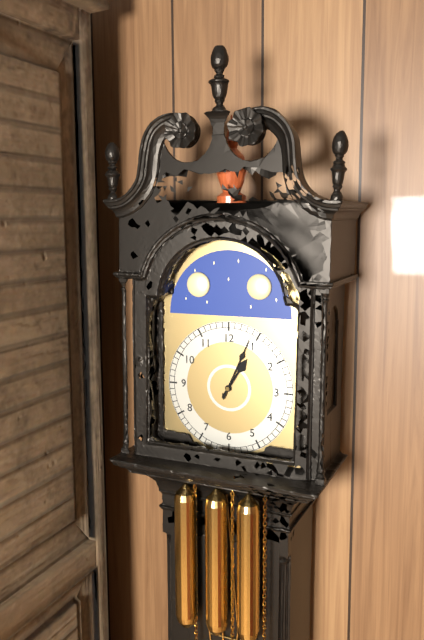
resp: 1h04
